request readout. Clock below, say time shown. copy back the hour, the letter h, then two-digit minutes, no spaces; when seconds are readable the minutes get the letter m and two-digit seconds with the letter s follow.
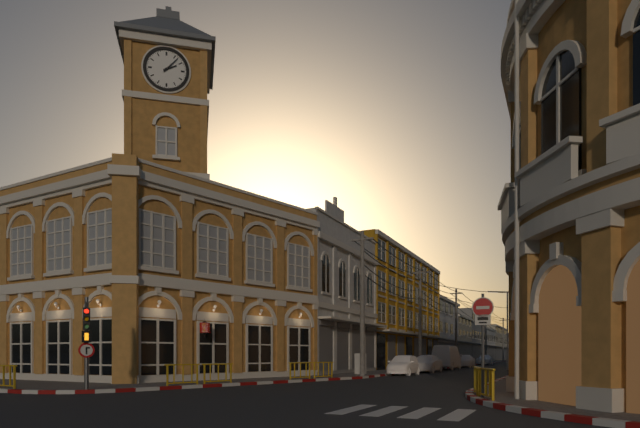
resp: 2h07
